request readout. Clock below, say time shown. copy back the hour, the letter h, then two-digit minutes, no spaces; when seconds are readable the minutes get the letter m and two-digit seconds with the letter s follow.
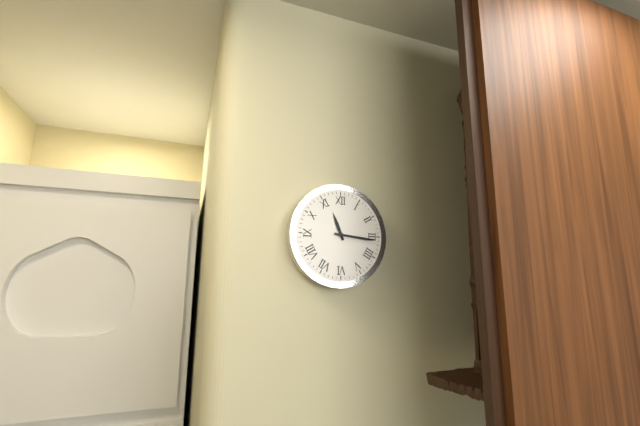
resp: 11h16
